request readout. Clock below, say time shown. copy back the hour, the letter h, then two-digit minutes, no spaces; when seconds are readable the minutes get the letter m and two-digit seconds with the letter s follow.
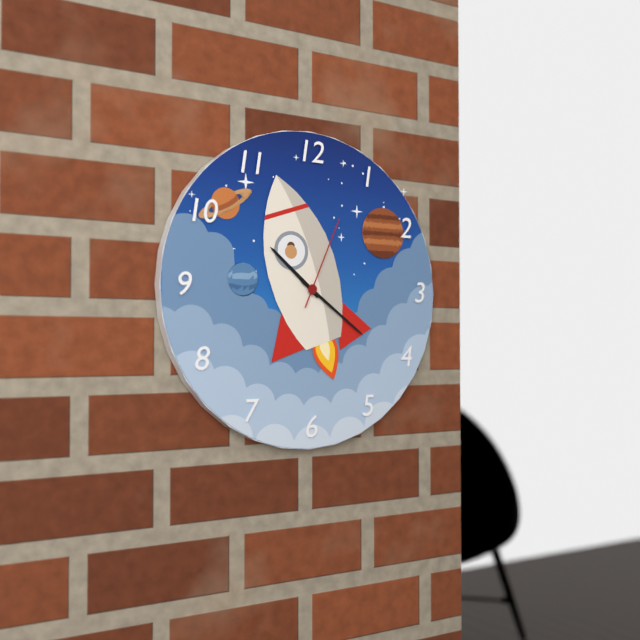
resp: 10h21m04s
